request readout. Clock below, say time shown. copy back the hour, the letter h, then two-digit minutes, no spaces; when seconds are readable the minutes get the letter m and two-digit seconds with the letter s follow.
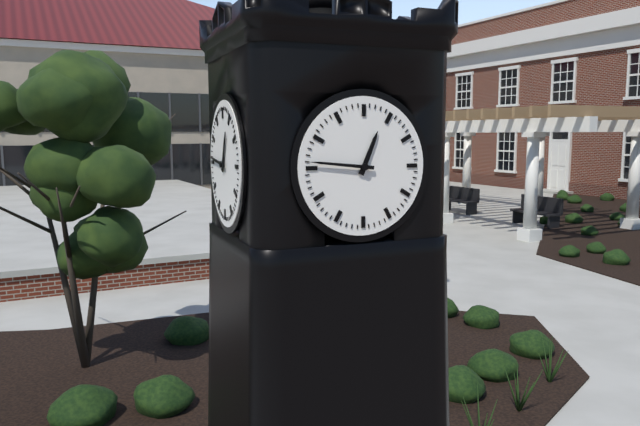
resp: 12h46
